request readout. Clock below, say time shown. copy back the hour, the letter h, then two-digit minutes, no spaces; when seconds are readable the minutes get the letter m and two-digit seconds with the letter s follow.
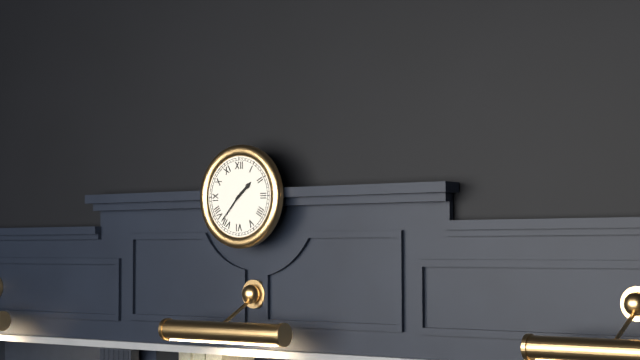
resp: 1h37
